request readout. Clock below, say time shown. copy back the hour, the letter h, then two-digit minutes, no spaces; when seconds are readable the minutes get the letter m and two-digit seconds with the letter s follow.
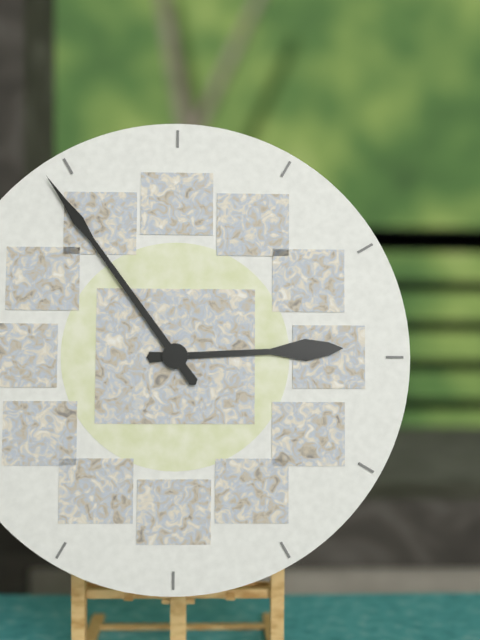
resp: 2h54
